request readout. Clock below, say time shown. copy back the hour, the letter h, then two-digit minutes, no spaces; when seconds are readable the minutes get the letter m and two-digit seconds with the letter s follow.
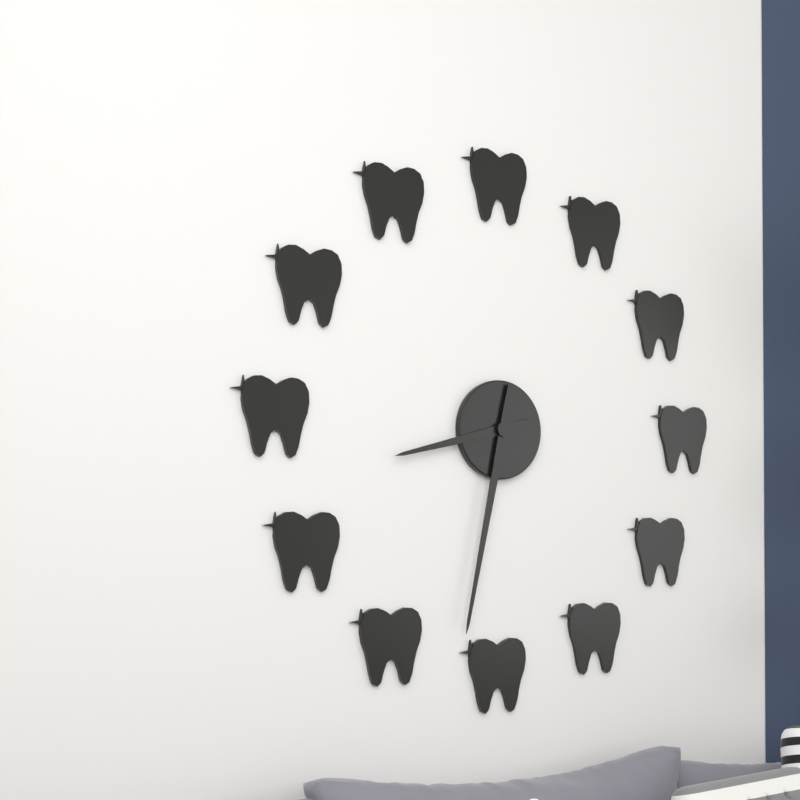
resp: 8h32
